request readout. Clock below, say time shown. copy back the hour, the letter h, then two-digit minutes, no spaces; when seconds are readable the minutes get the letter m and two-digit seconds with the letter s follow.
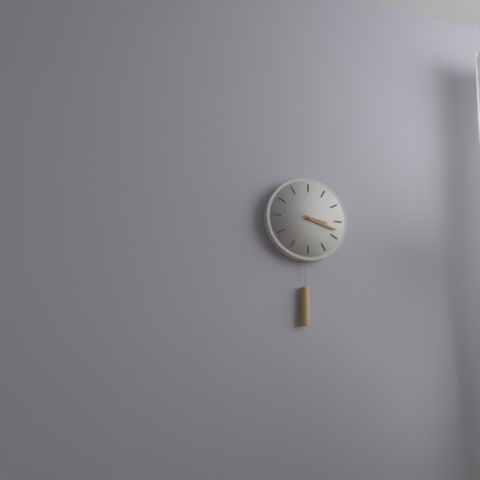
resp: 3h18
